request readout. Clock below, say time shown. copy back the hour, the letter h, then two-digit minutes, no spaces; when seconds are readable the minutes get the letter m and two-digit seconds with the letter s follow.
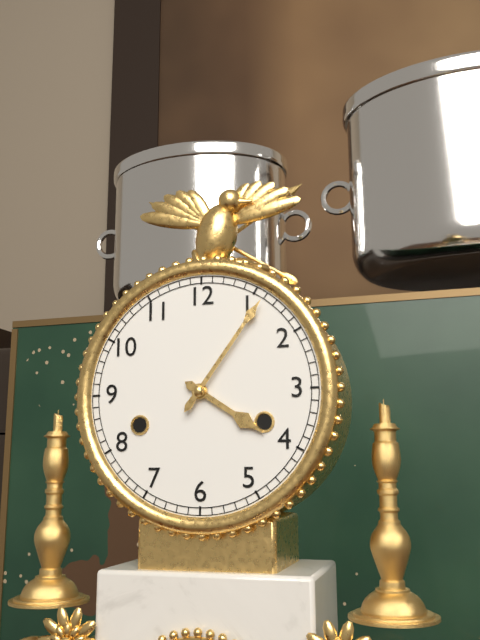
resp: 4h06
